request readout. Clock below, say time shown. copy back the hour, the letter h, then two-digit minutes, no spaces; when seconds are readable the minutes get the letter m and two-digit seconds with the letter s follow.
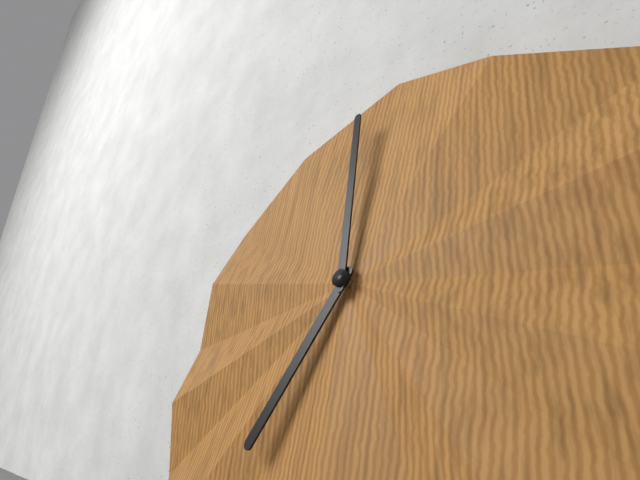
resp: 6h59
